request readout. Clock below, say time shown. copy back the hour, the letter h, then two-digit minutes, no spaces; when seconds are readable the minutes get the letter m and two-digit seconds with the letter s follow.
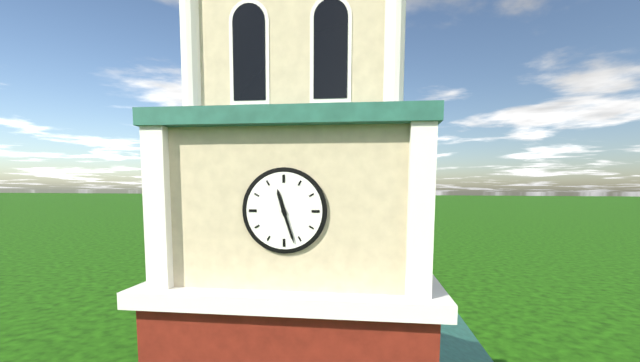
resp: 11h27
